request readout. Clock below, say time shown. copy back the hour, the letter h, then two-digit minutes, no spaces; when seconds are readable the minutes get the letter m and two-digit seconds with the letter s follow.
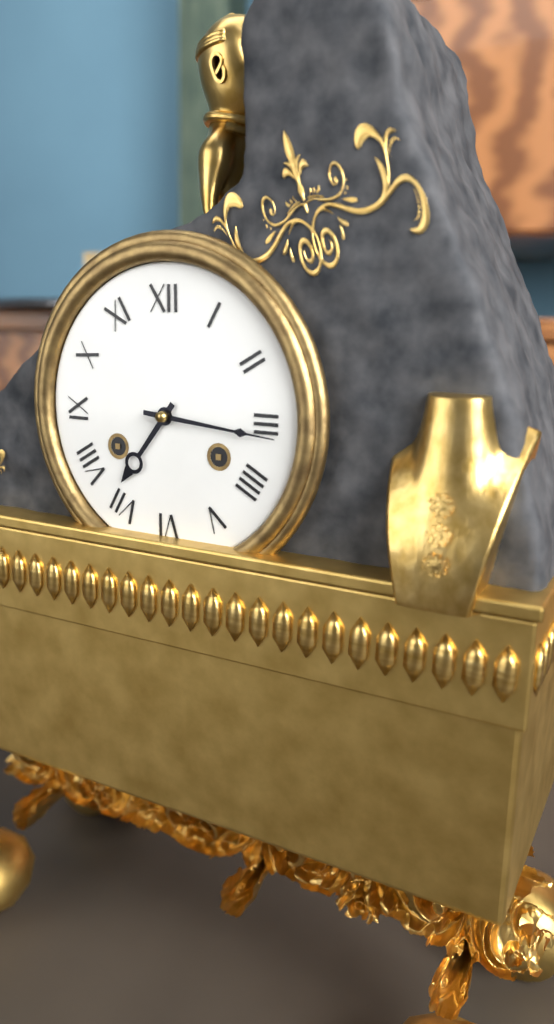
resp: 7h16
